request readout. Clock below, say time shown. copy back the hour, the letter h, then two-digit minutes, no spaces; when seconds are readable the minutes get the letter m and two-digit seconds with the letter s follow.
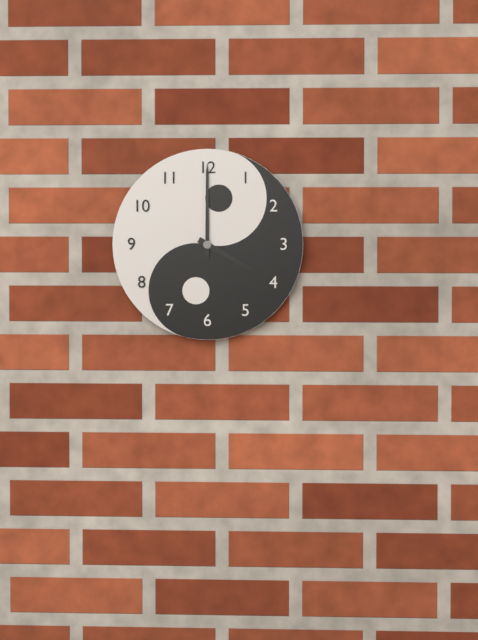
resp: 4h00
